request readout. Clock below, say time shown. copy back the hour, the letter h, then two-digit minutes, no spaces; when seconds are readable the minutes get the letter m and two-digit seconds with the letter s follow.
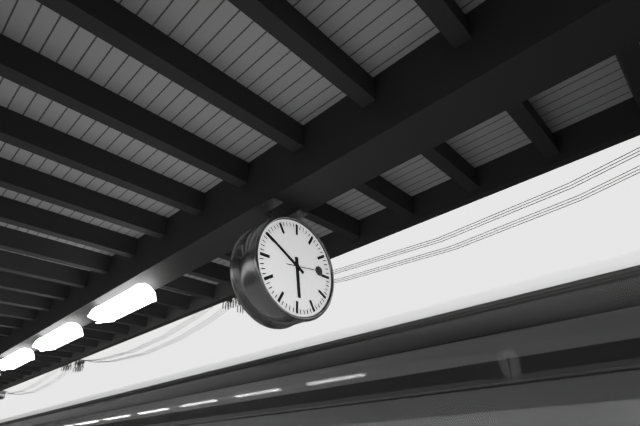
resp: 5h50
